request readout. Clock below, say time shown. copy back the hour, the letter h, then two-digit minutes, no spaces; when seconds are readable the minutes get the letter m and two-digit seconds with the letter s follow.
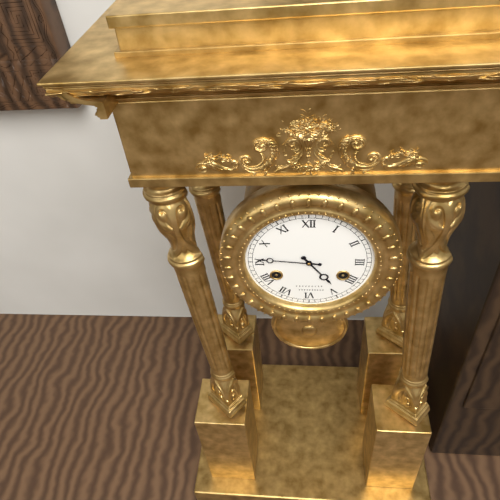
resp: 4h46
